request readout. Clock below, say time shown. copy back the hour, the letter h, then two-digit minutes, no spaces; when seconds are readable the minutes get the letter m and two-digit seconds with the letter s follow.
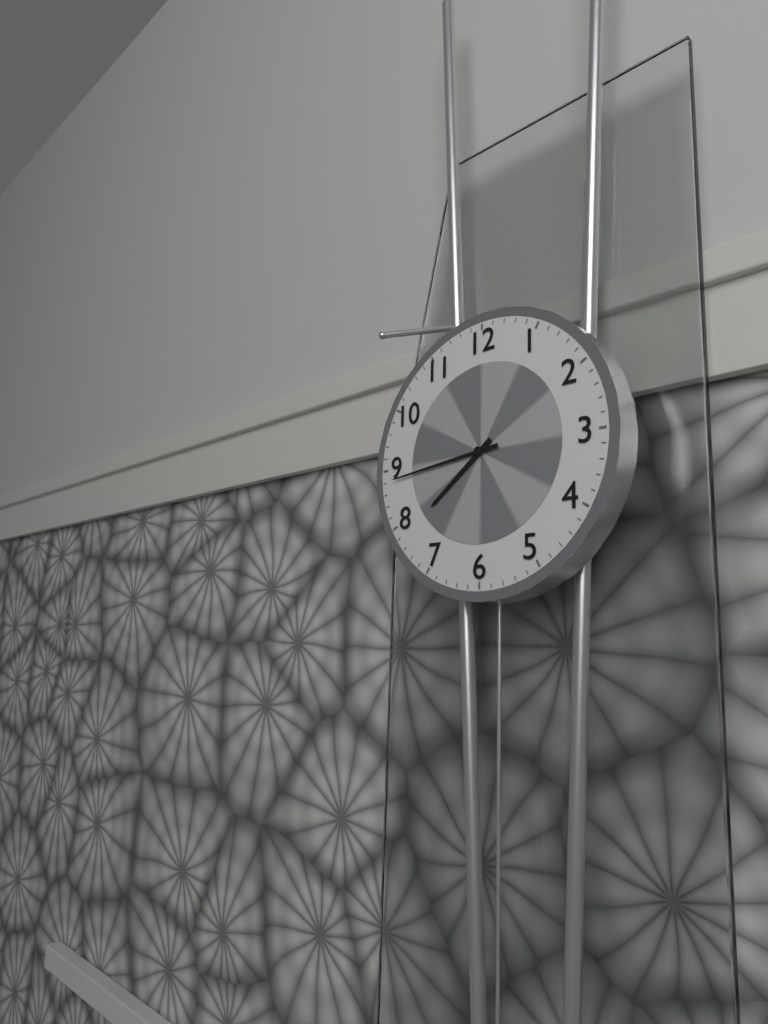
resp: 7h44
